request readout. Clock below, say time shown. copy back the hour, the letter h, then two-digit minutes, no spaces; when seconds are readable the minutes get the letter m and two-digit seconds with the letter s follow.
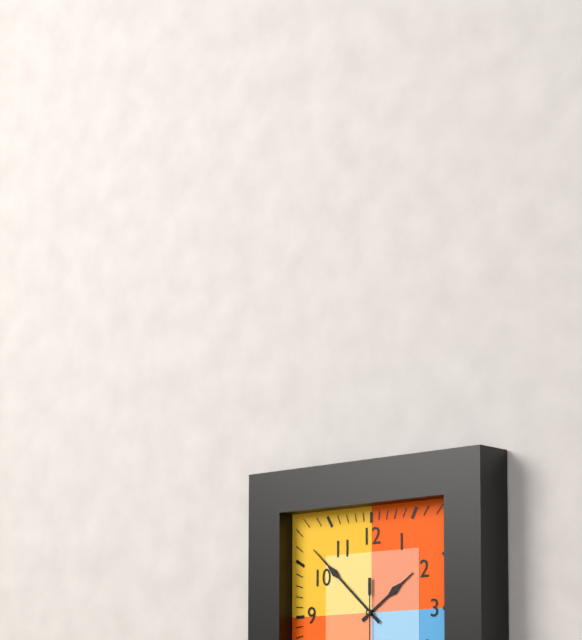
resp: 1h52
